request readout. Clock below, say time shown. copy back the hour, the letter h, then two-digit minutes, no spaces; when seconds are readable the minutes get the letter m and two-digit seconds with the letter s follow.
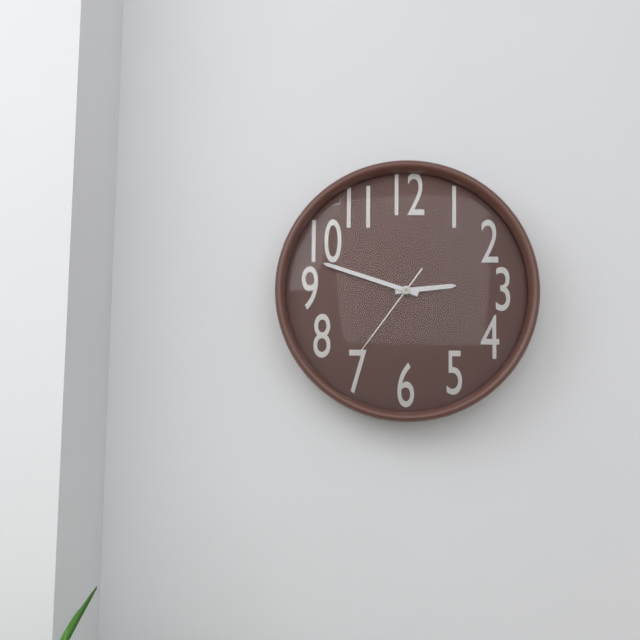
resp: 2h48m36s
